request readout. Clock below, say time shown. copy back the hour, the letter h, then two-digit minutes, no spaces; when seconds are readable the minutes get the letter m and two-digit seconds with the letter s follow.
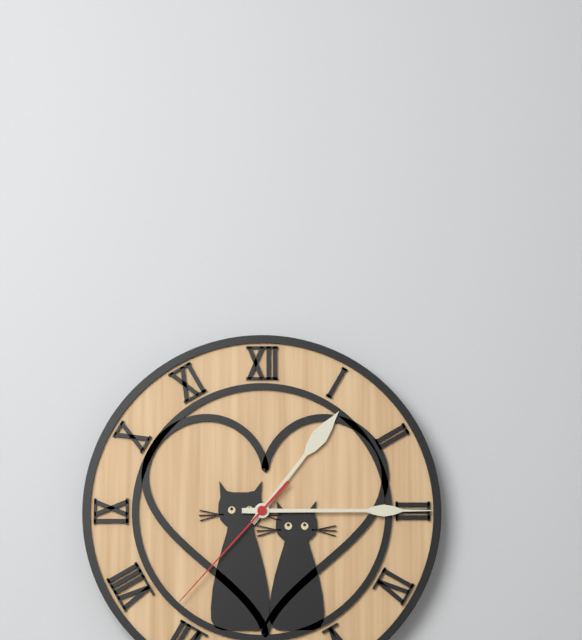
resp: 1h15m37s
